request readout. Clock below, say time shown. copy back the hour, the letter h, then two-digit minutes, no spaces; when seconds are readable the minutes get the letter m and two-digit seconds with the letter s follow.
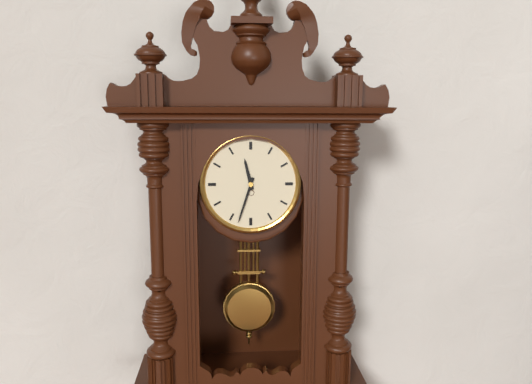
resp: 11h33
